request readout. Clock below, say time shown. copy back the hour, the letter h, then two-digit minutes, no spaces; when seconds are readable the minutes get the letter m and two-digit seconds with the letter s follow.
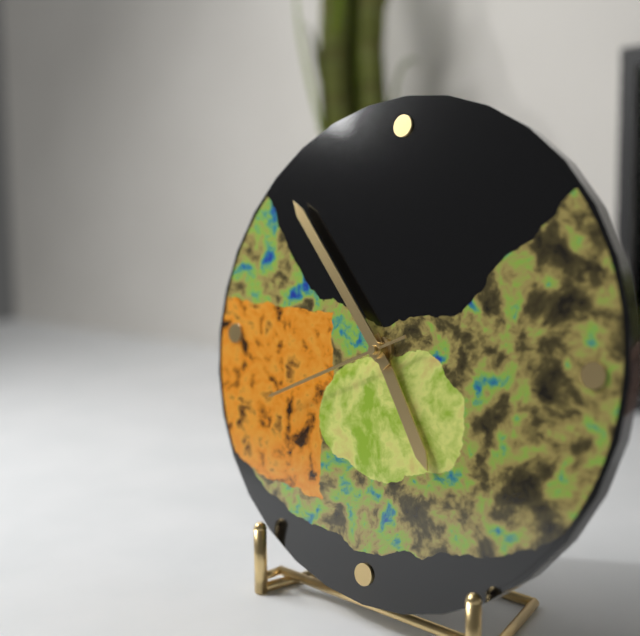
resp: 4h53m41s
